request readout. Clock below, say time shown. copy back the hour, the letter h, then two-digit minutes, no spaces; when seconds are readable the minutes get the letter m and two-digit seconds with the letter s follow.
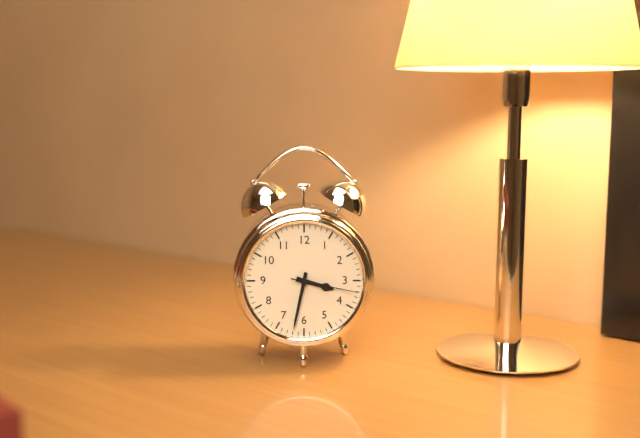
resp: 3h32m17s
